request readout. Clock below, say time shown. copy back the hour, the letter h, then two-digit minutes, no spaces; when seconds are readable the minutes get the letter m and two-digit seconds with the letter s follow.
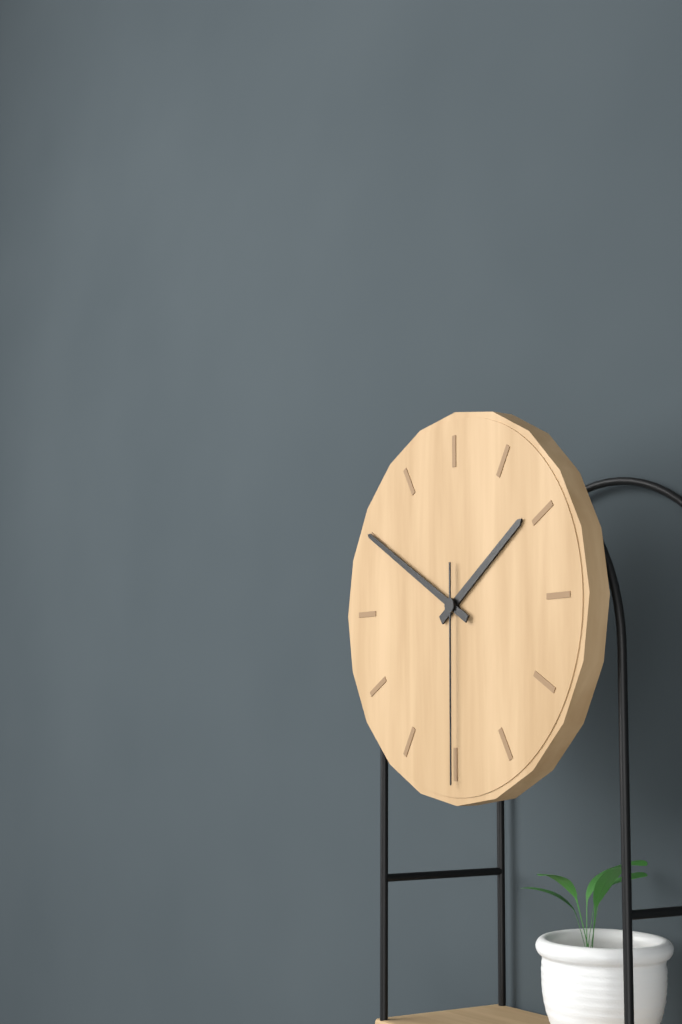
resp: 1h50m30s
